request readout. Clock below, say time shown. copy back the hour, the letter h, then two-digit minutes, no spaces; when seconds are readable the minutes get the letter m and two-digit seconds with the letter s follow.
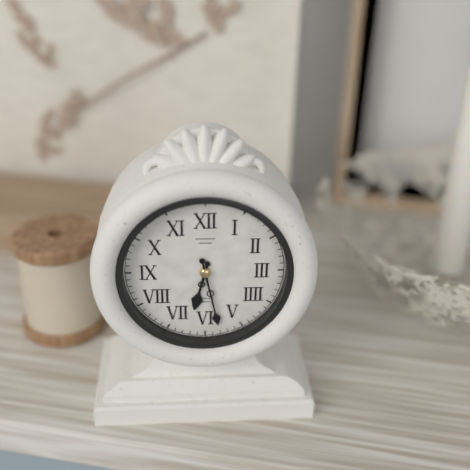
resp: 6h28
